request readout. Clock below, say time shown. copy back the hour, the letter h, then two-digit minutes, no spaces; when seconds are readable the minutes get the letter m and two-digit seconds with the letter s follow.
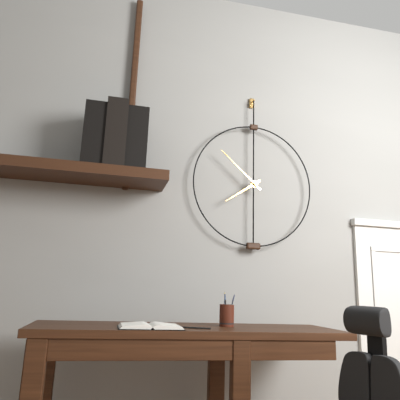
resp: 7h52
